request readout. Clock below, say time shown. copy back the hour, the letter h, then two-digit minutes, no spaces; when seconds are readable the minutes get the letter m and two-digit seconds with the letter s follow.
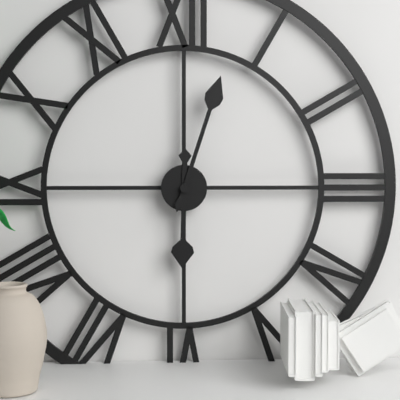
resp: 6h03
